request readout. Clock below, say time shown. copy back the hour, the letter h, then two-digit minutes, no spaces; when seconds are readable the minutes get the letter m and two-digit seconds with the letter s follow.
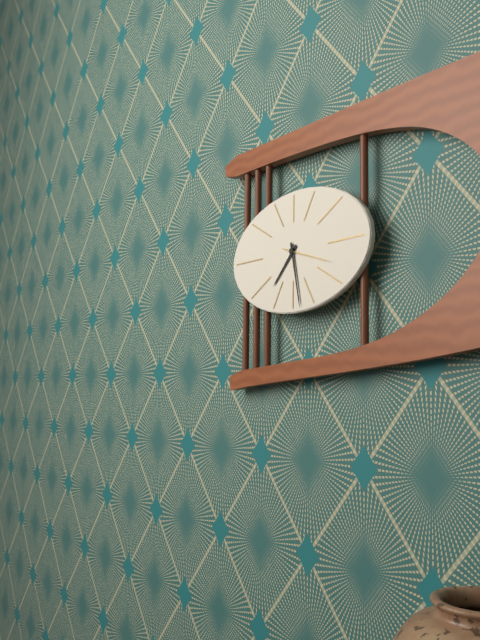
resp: 7h28
